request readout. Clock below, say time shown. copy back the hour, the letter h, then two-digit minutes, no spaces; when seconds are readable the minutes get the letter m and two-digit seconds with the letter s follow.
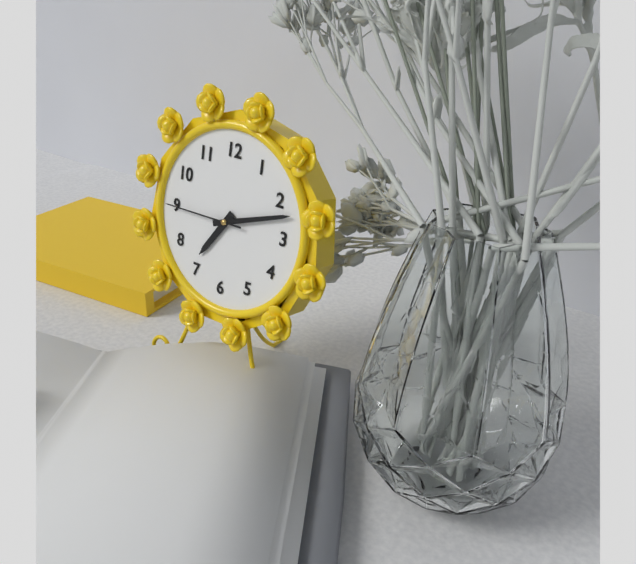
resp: 7h12m45s
